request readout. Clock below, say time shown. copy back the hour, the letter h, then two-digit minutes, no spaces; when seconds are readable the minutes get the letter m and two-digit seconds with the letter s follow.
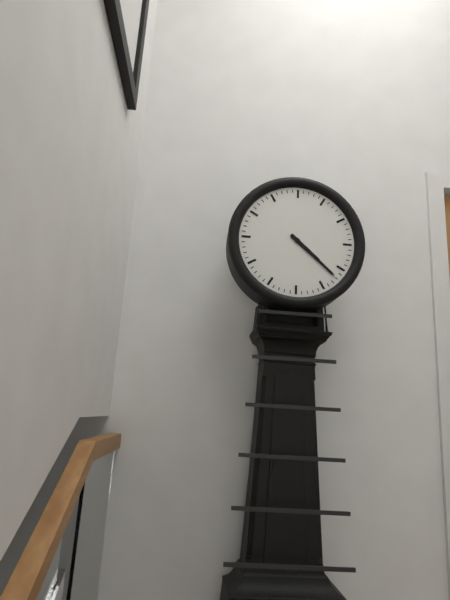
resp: 4h22
